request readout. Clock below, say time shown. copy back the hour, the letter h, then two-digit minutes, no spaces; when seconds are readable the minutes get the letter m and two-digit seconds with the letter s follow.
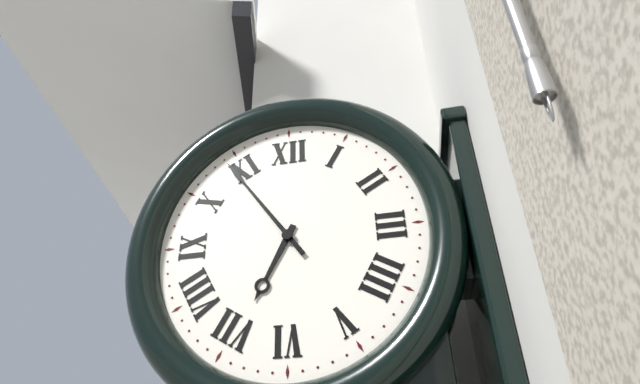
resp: 6h54
